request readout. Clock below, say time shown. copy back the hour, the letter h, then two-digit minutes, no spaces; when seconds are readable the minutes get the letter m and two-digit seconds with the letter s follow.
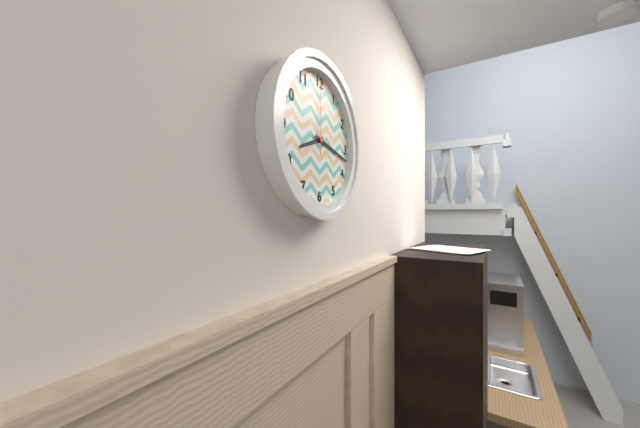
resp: 8h17m00s
